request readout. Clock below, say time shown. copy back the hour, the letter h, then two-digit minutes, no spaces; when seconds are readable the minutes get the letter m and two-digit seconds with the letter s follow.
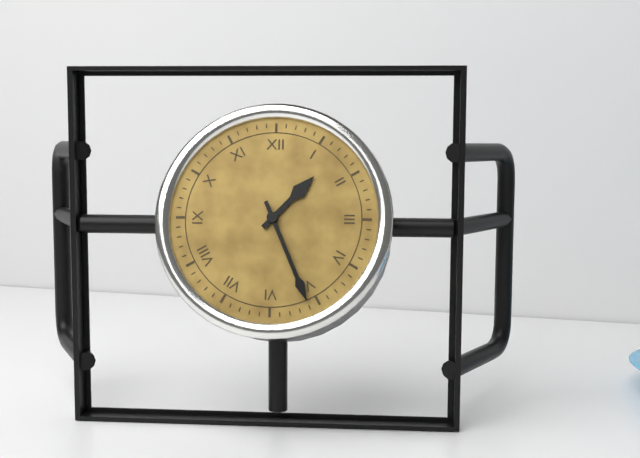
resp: 1h26
